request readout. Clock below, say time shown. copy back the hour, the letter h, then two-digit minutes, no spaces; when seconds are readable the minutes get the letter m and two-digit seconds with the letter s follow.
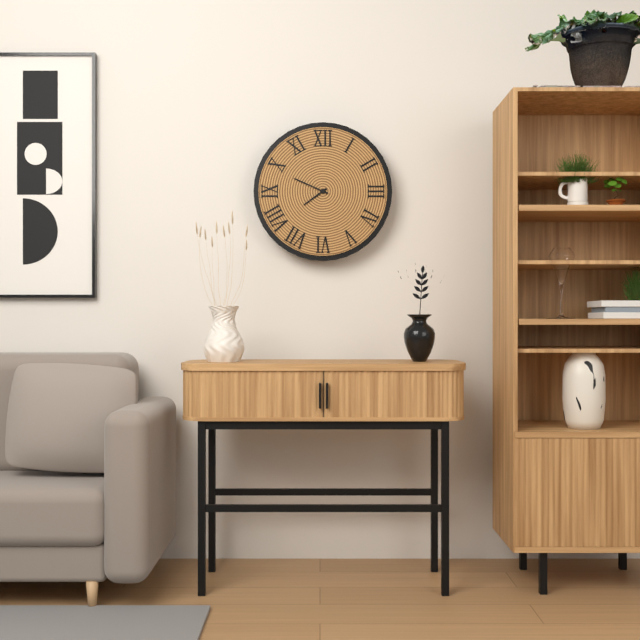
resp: 7h49
